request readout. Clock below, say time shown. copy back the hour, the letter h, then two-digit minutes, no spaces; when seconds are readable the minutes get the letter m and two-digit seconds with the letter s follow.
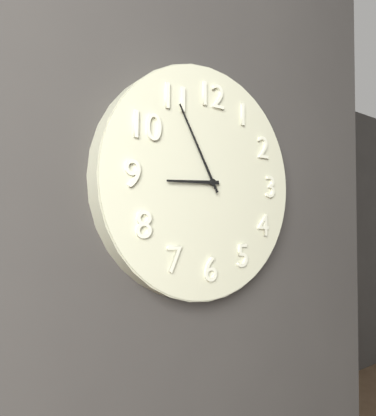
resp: 8h55
